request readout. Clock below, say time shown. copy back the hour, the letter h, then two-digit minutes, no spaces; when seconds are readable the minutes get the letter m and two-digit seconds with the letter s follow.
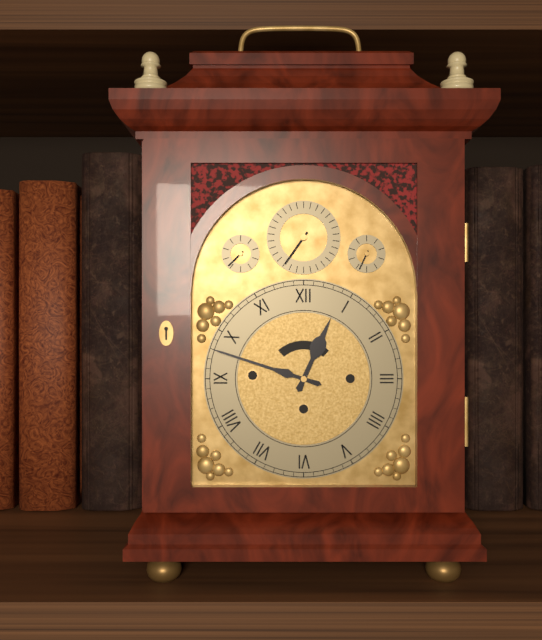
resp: 12h48
